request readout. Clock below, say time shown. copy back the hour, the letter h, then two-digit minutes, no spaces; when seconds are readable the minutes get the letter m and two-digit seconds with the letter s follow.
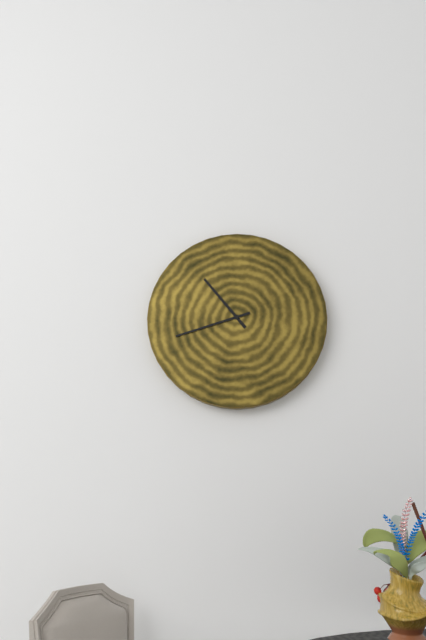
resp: 10h42
